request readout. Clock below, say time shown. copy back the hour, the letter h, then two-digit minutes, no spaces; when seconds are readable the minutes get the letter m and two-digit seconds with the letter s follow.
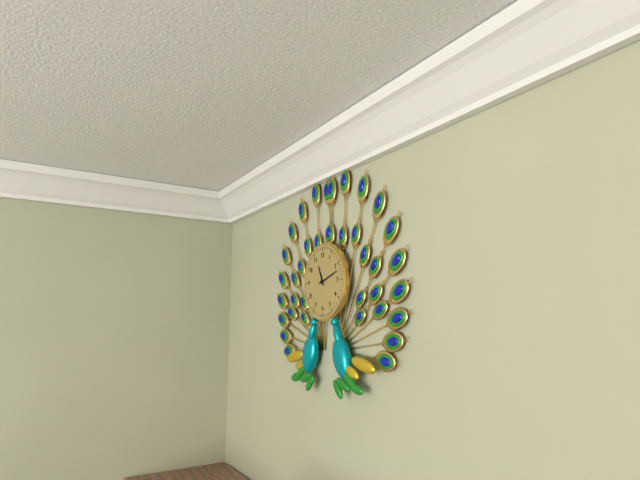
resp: 11h12
